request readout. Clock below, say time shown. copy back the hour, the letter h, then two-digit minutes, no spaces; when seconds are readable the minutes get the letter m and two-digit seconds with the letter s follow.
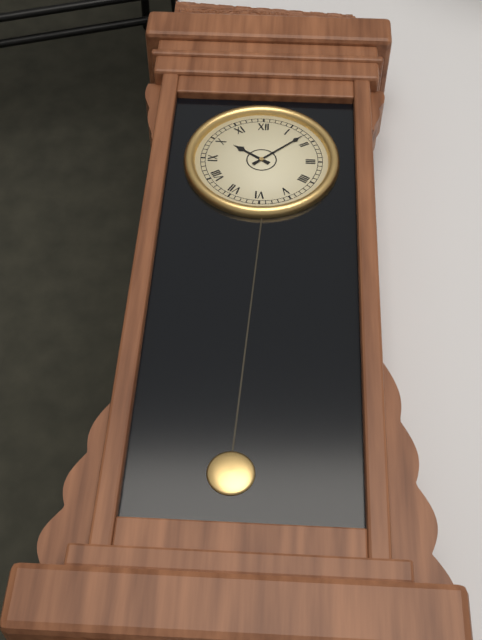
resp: 10h08
